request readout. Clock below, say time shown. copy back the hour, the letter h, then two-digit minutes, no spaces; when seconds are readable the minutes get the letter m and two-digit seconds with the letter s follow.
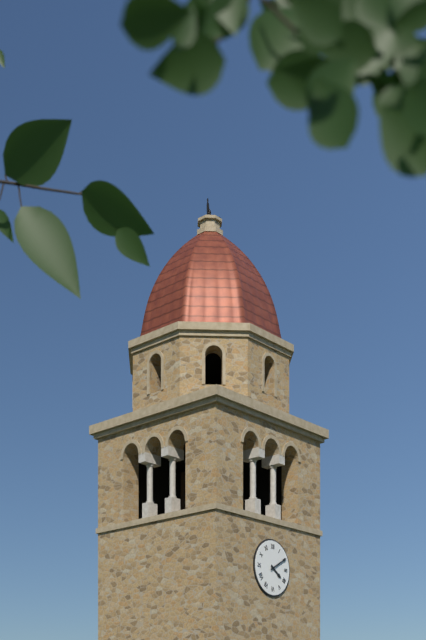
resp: 4h10
